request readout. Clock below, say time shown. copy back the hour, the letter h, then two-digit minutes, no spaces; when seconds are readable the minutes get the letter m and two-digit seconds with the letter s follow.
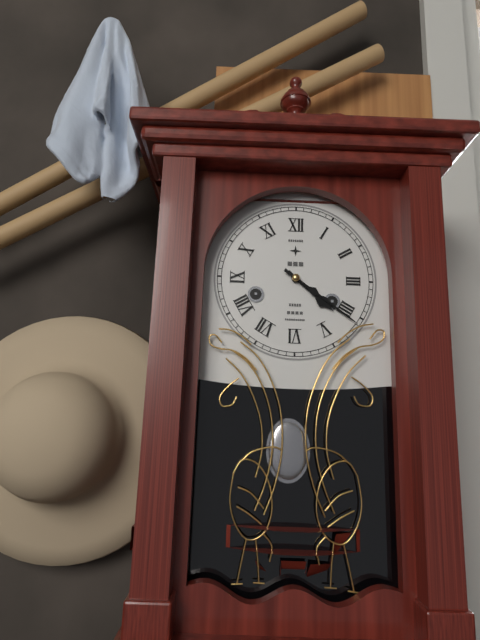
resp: 4h21
